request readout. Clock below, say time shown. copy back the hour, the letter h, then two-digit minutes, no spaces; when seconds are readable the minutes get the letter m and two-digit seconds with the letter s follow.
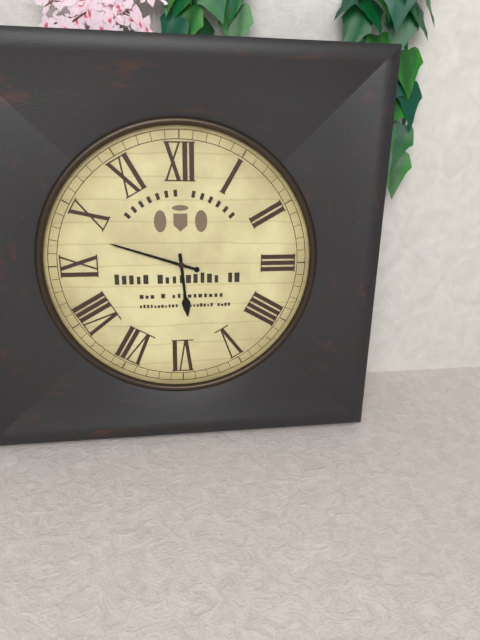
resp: 5h48
